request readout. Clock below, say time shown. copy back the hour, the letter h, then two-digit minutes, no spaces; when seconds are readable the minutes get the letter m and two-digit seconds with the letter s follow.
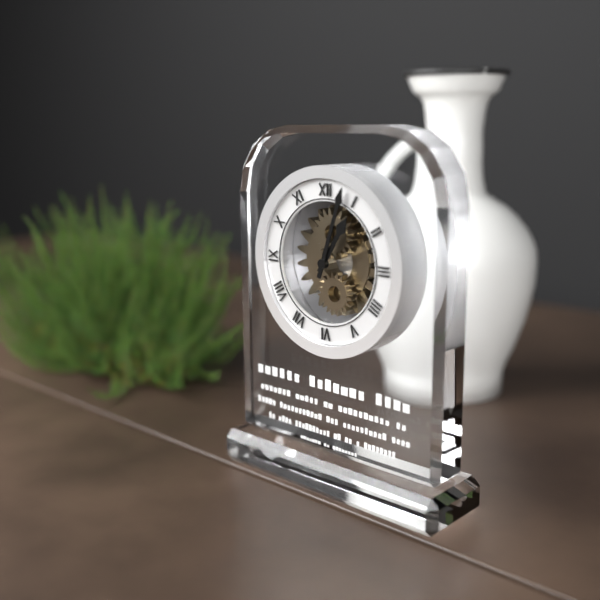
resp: 1h03
